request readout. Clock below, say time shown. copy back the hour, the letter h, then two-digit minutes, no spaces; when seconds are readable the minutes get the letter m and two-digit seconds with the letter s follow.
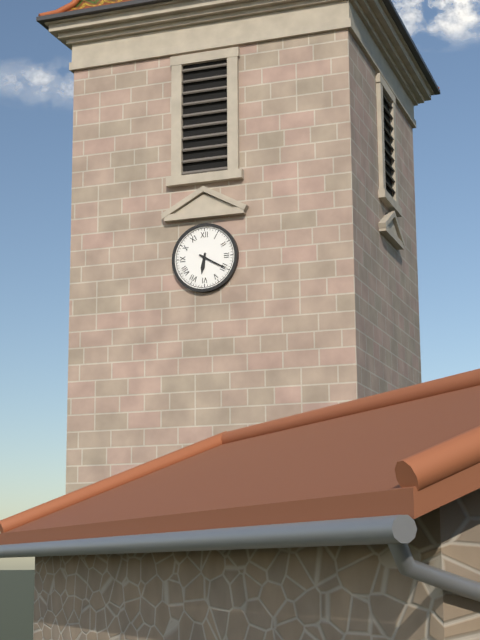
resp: 6h20
